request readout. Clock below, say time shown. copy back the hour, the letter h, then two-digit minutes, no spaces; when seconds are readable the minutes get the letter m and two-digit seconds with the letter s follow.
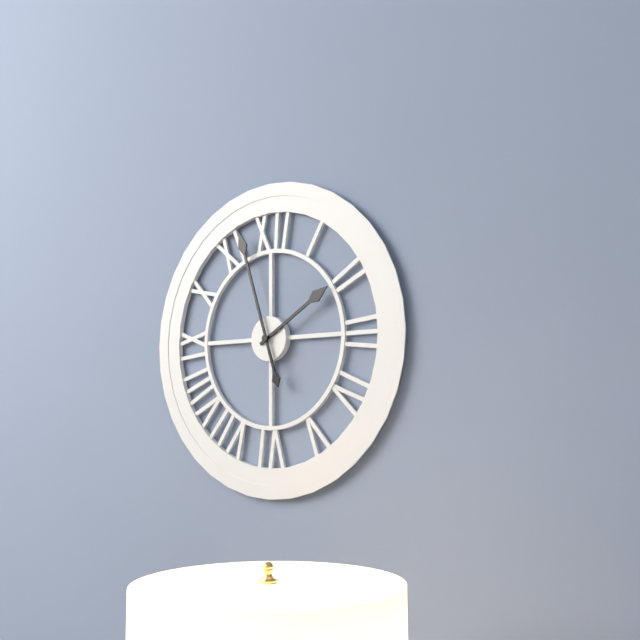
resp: 1h57
